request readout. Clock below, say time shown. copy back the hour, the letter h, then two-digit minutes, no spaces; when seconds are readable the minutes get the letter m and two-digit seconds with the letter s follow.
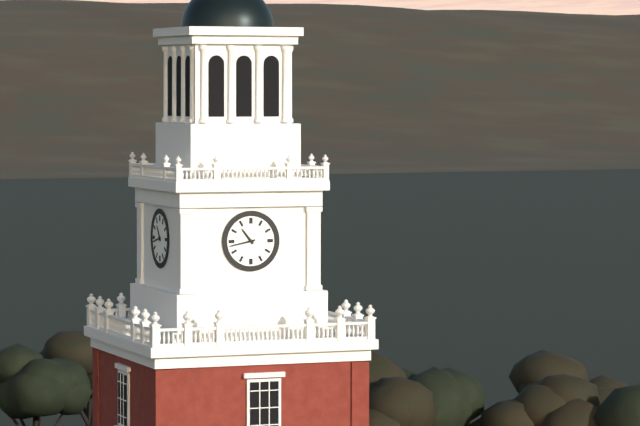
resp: 10h43
